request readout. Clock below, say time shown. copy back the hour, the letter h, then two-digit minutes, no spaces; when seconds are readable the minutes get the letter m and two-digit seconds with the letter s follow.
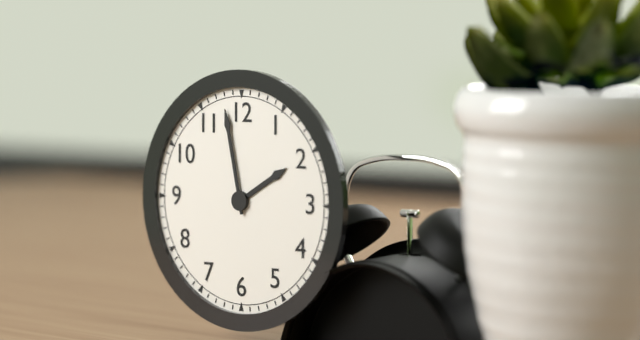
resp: 1h58
